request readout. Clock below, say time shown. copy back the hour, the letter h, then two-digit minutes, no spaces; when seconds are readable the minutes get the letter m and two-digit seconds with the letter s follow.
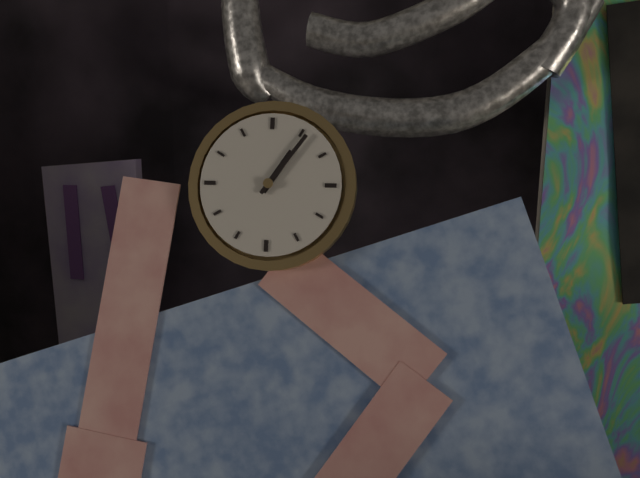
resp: 1h06
